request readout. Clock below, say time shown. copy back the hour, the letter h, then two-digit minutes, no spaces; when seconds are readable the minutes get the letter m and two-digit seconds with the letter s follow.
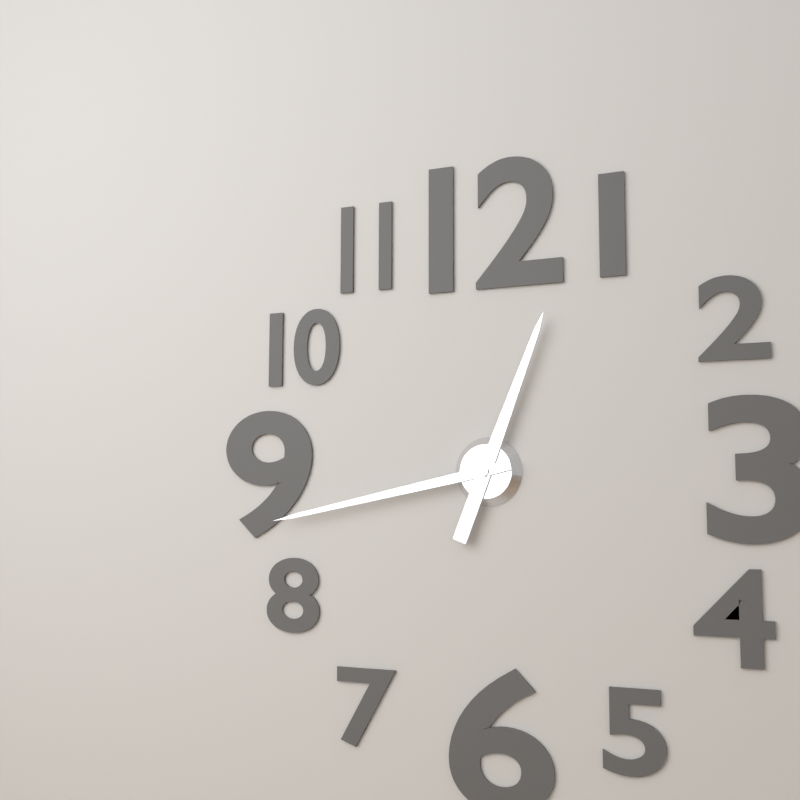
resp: 12h43
